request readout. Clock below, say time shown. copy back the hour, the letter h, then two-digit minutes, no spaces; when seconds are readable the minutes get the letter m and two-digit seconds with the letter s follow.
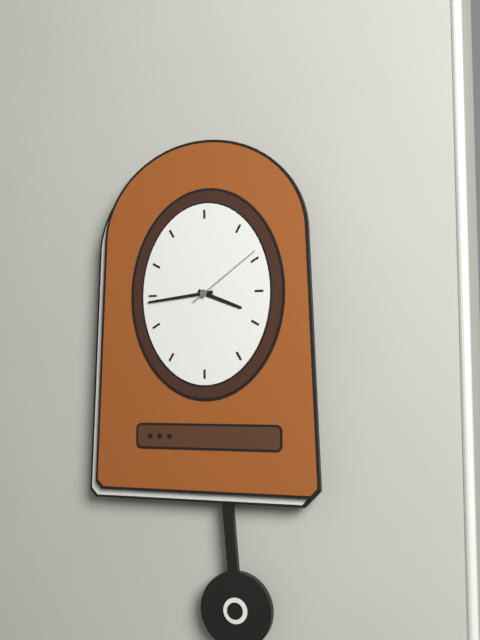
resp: 3h44m09s
